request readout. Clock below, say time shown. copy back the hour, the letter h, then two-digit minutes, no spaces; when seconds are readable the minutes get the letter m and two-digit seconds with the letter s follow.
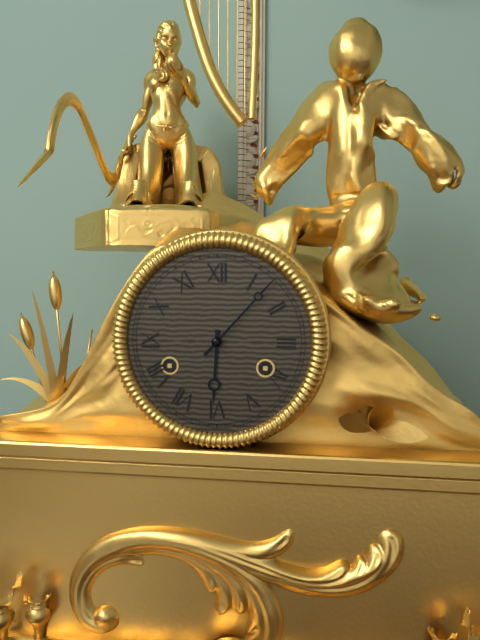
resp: 6h07
